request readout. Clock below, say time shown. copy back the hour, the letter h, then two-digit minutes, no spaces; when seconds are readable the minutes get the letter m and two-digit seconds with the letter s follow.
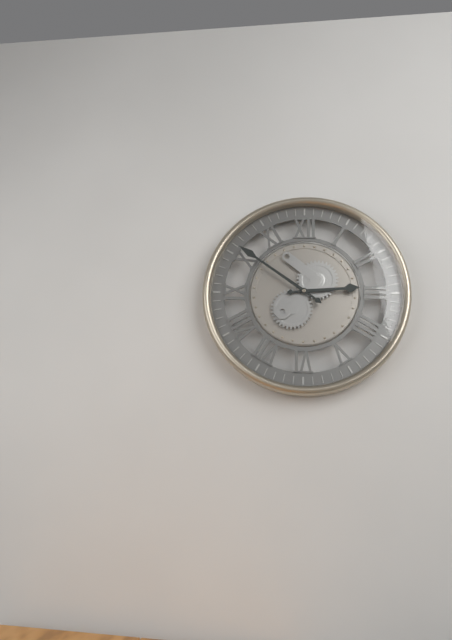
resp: 2h51
